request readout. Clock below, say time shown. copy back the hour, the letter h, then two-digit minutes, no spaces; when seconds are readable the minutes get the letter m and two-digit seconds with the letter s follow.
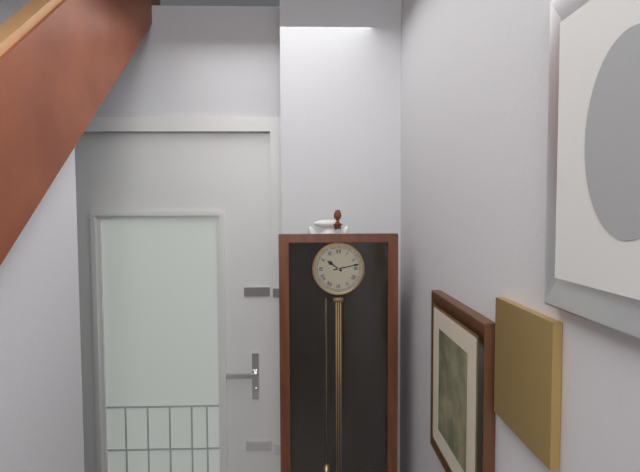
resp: 10h13
